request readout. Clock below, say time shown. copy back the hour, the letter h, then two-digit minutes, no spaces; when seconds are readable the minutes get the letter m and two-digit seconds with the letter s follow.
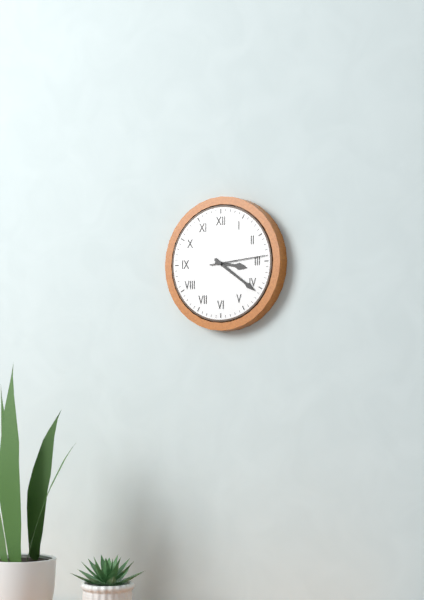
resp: 3h21m14s
